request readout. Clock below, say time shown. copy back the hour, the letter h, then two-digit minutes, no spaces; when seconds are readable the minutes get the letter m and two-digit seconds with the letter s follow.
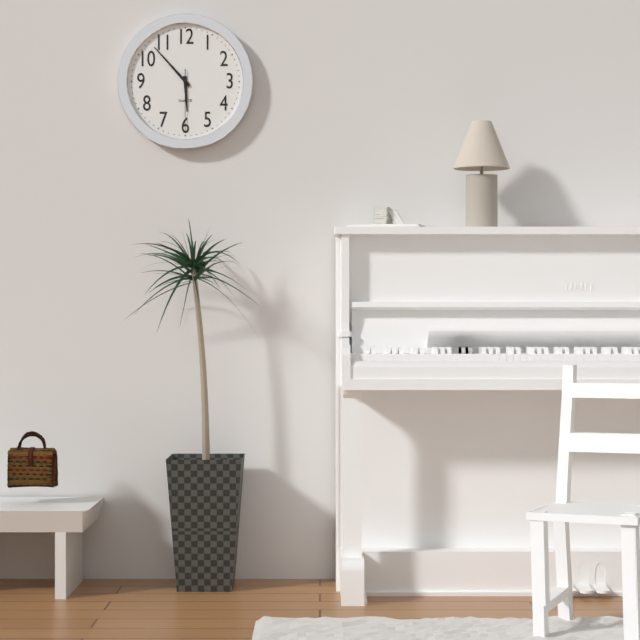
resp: 5h53m30s
